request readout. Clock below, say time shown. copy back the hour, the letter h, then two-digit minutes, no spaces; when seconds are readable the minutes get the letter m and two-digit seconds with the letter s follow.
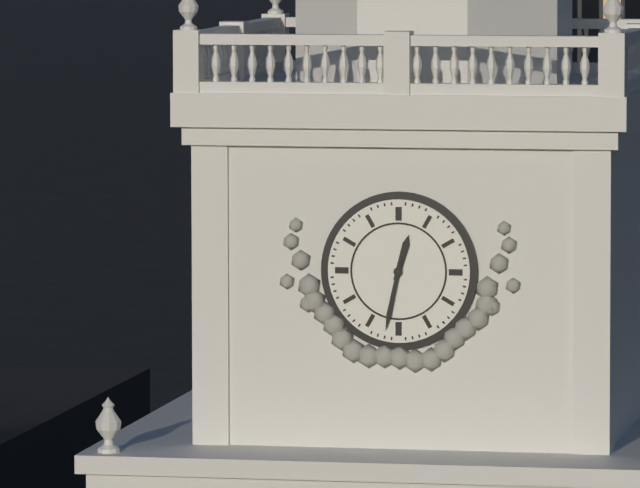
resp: 12h32
